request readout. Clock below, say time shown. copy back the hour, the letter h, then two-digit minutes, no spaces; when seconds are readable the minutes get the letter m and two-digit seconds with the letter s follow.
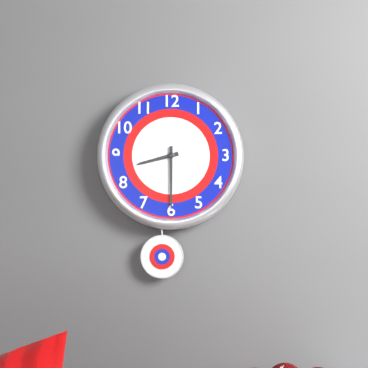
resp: 8h30
